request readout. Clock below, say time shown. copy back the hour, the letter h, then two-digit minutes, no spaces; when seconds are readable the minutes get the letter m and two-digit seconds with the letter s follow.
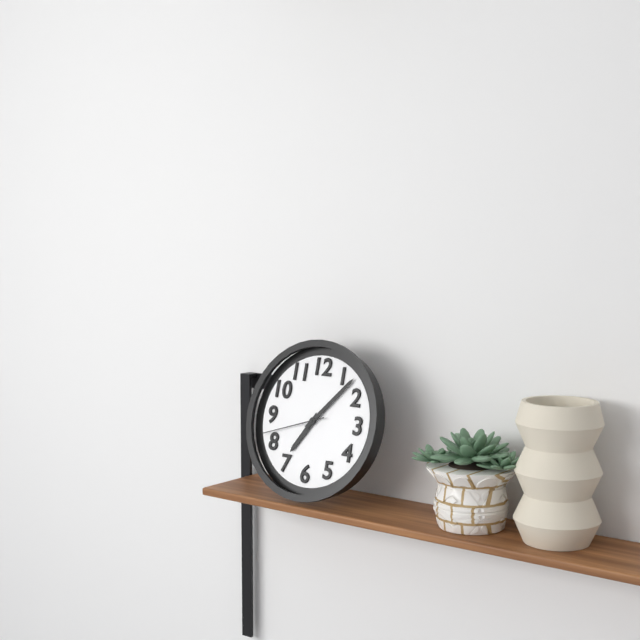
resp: 7h07m42s
